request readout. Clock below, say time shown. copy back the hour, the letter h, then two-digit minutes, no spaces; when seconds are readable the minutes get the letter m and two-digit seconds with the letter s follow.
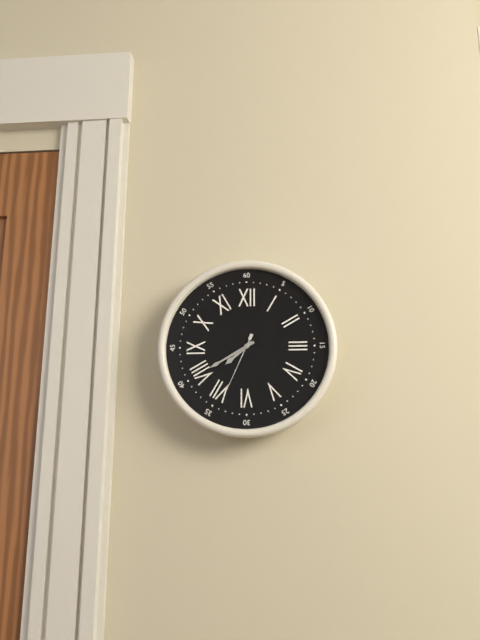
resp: 7h40m34s
